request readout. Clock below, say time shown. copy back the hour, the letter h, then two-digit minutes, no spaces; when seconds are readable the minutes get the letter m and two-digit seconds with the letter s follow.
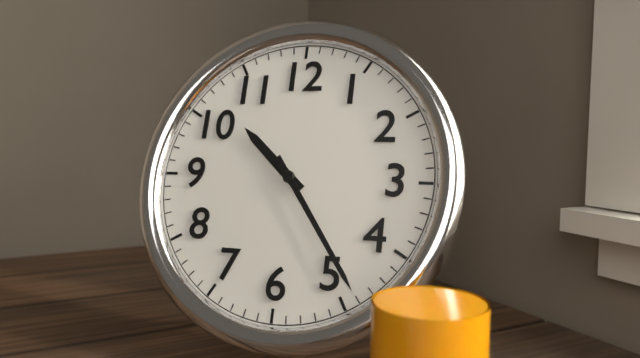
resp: 10h24
